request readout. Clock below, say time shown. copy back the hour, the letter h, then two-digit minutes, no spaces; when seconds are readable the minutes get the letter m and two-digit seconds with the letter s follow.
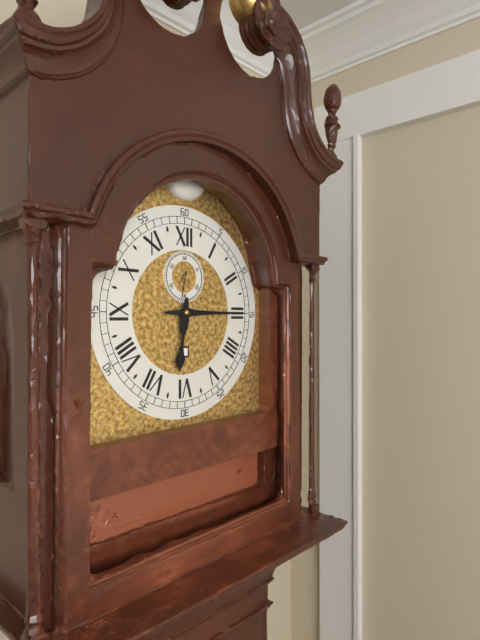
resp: 6h15
